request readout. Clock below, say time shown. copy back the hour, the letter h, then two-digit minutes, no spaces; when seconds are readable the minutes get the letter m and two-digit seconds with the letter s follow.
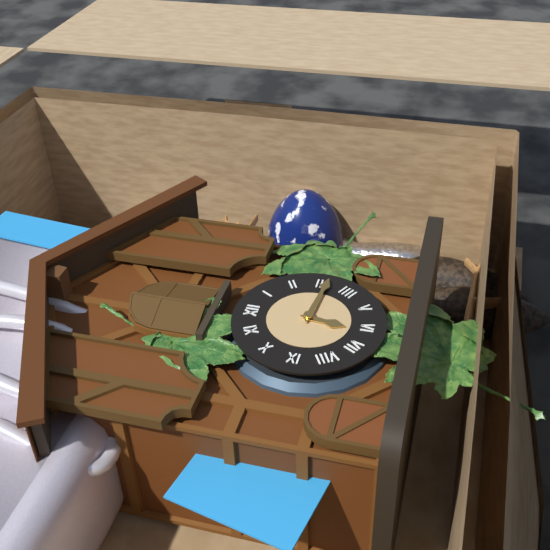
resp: 6h16
